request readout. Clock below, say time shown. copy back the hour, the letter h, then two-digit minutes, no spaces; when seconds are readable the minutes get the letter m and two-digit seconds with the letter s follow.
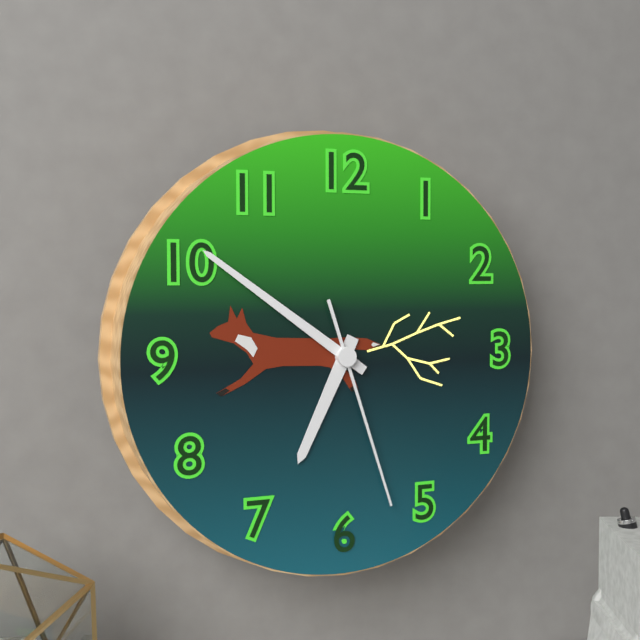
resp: 6h51m27s
